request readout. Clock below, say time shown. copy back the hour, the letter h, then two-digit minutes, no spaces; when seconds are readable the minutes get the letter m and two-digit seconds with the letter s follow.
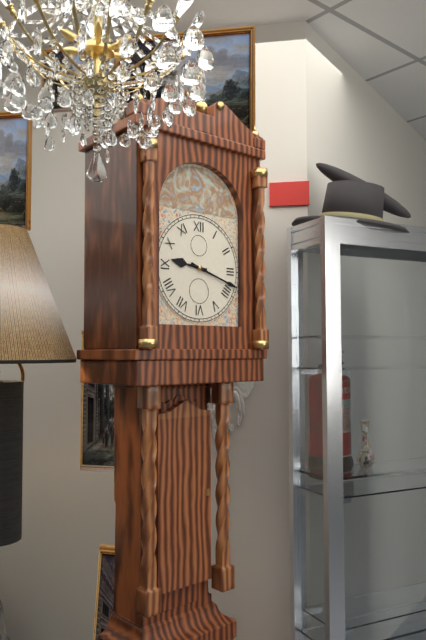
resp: 9h18
